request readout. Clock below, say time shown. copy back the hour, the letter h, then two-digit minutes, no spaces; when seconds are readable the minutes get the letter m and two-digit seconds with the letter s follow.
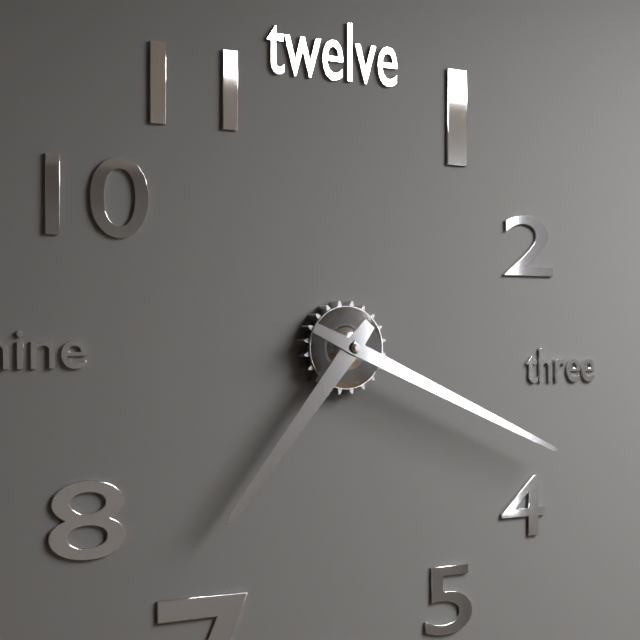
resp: 7h19
